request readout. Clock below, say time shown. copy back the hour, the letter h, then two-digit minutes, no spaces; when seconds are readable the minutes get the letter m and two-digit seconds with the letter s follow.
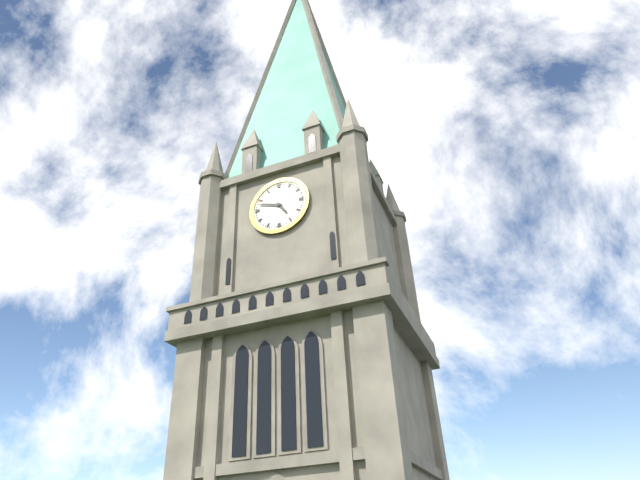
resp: 4h48
